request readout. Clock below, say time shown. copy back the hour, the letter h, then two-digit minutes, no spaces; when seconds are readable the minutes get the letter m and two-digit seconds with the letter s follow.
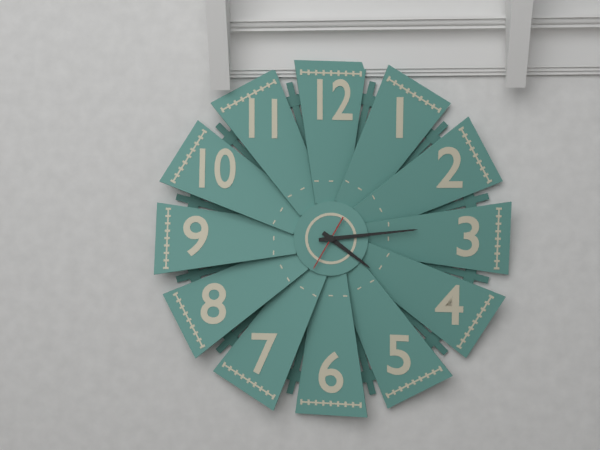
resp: 4h14
